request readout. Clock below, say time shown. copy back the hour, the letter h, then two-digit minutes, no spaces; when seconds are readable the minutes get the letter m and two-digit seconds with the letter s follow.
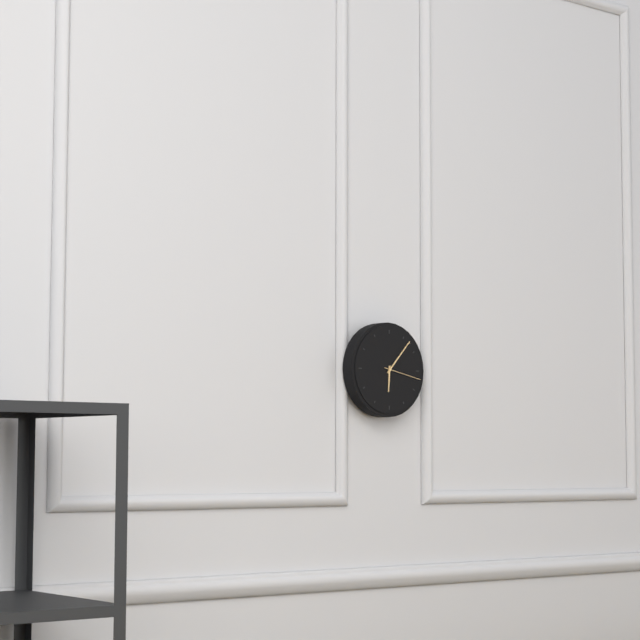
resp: 6h07
